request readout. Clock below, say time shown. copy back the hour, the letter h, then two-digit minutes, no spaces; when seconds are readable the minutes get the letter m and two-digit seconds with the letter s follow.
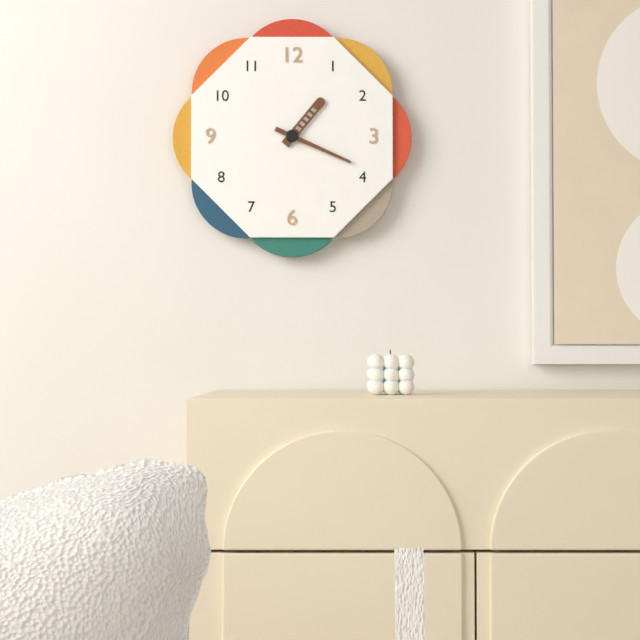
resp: 1h19
